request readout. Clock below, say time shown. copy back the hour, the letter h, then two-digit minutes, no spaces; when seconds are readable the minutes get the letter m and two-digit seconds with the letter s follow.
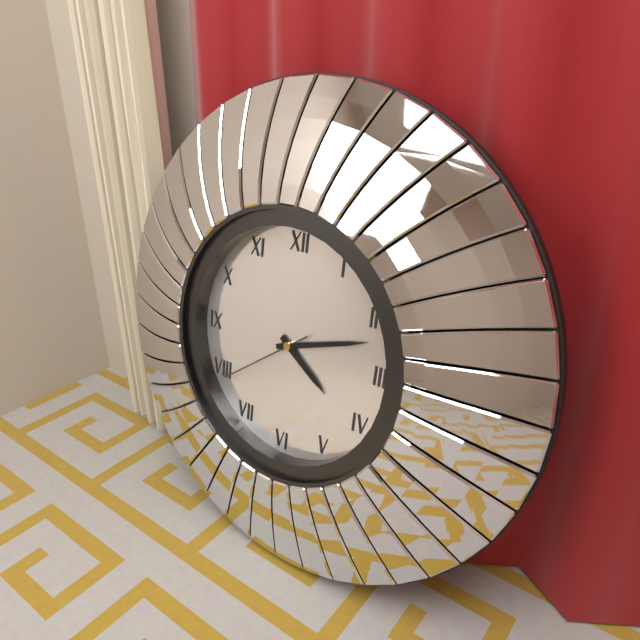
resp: 4h12m39s
